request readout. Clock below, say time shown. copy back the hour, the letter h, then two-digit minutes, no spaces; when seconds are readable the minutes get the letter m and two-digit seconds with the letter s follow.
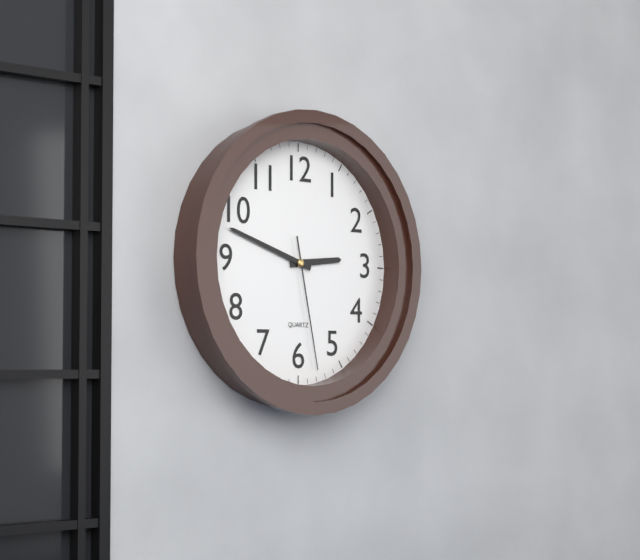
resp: 2h48m28s
